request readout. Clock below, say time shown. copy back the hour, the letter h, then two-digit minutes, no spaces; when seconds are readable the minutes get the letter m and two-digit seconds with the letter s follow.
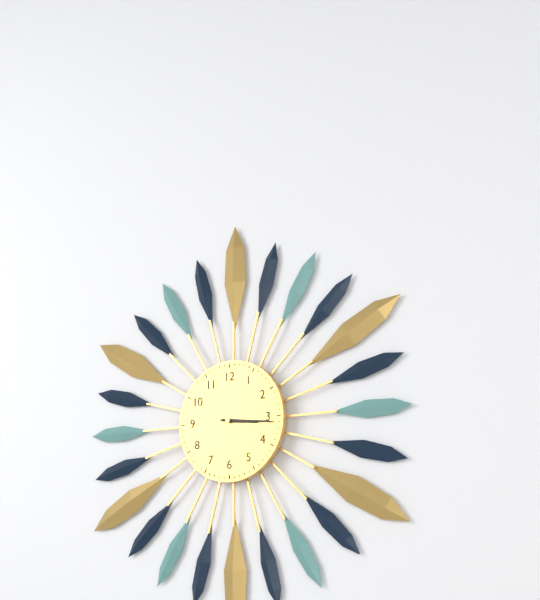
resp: 3h16
